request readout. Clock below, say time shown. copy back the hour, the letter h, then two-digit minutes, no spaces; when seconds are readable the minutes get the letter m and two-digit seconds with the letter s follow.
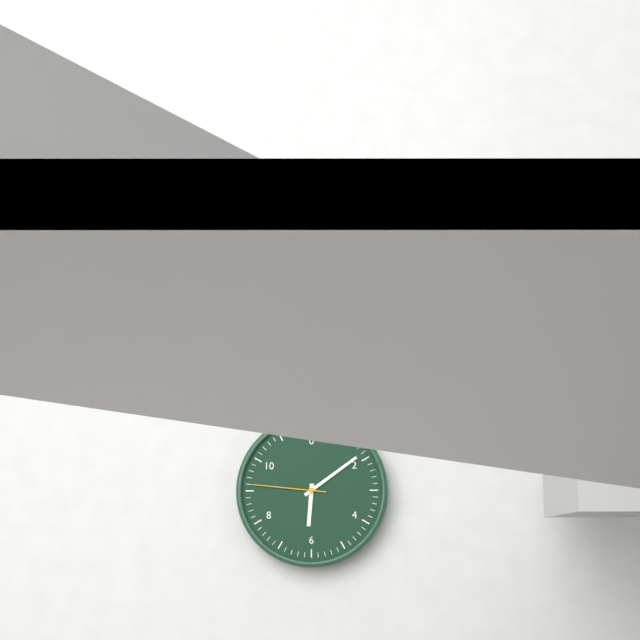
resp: 6h09m46s
